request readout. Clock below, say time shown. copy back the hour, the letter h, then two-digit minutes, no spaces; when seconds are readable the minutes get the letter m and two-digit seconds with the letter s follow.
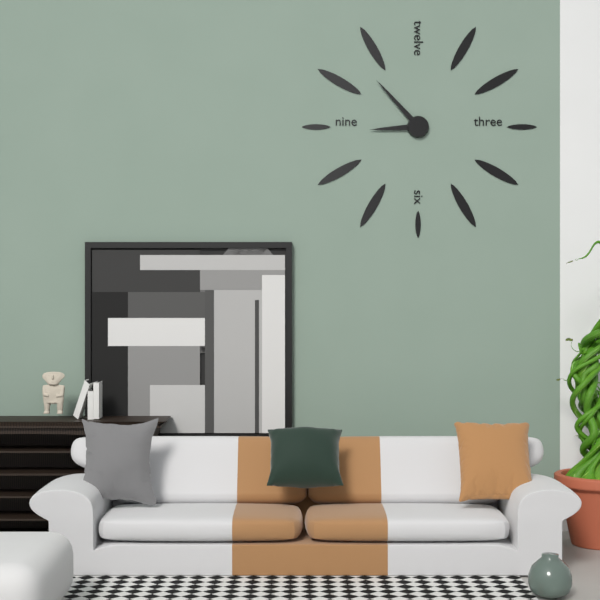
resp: 8h53
